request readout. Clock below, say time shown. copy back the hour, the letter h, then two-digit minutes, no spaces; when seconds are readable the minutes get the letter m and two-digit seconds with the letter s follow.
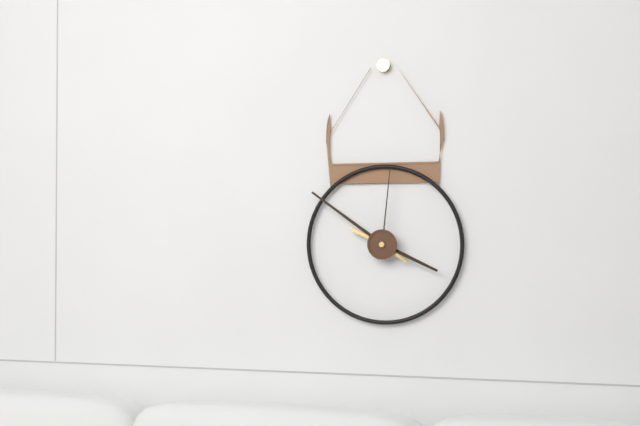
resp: 3h51m01s
